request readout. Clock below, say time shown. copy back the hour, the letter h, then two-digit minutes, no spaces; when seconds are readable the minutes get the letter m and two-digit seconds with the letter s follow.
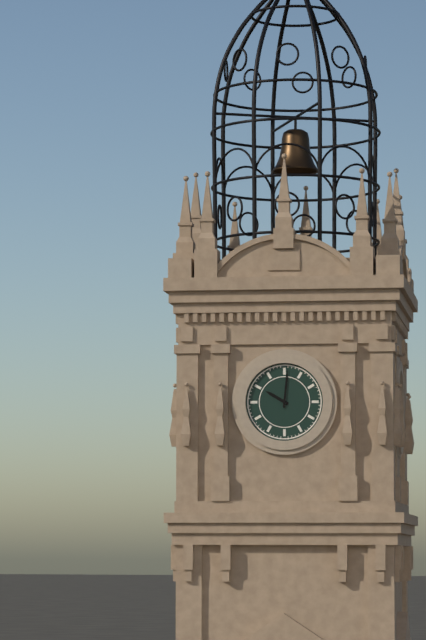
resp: 10h01
